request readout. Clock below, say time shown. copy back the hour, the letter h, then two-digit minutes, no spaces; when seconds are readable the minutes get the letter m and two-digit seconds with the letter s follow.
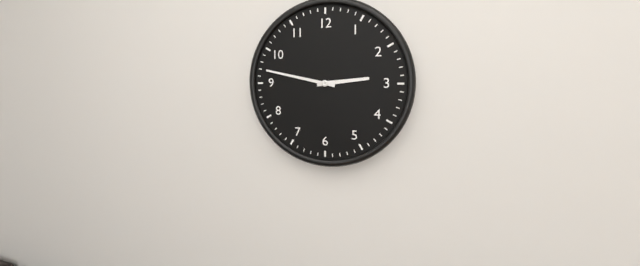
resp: 2h47
